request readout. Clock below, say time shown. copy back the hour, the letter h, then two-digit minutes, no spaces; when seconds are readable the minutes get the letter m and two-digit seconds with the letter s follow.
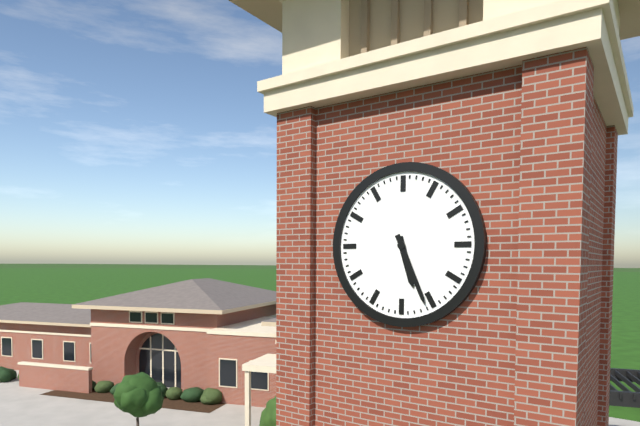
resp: 5h26
